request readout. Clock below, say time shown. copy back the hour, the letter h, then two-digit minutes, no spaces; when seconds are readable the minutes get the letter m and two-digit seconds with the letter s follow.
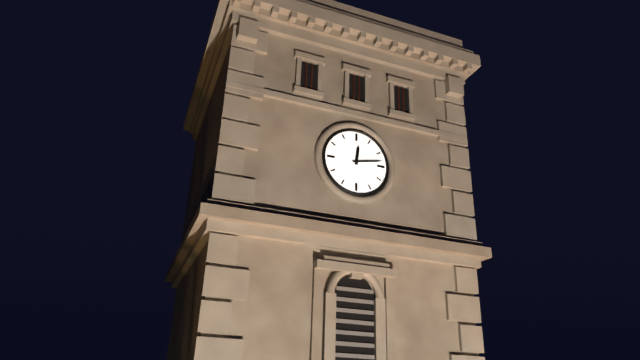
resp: 12h13
